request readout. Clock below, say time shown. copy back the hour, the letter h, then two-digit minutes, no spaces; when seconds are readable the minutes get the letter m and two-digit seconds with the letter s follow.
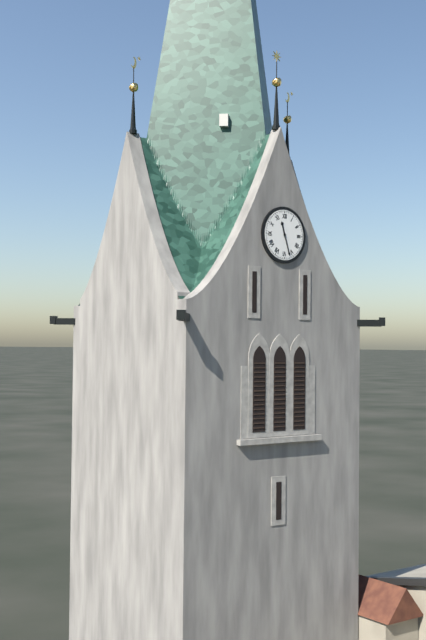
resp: 11h27
